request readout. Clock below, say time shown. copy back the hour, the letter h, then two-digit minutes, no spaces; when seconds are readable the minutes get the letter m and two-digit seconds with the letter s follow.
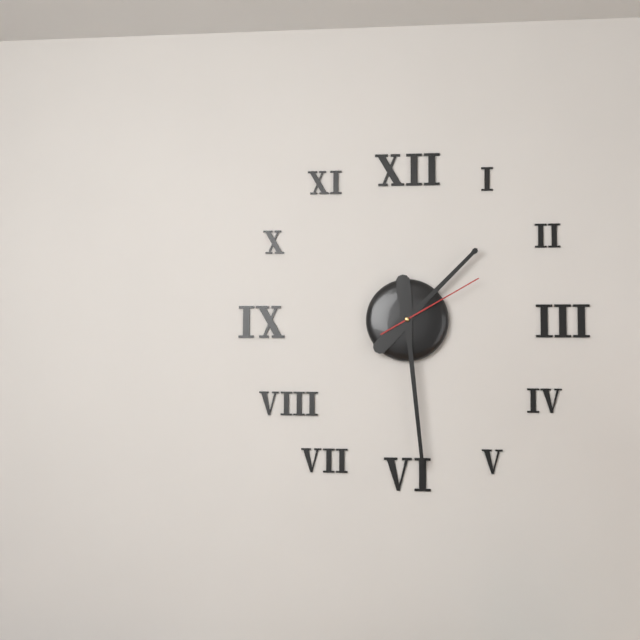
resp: 1h29m10s
